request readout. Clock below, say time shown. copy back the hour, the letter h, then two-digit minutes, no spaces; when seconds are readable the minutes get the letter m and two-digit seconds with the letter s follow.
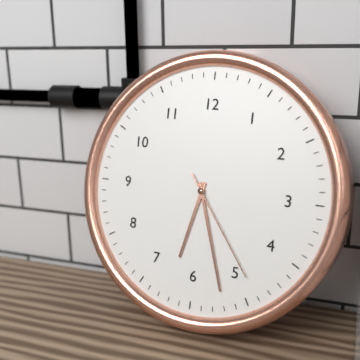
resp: 6h27m24s
